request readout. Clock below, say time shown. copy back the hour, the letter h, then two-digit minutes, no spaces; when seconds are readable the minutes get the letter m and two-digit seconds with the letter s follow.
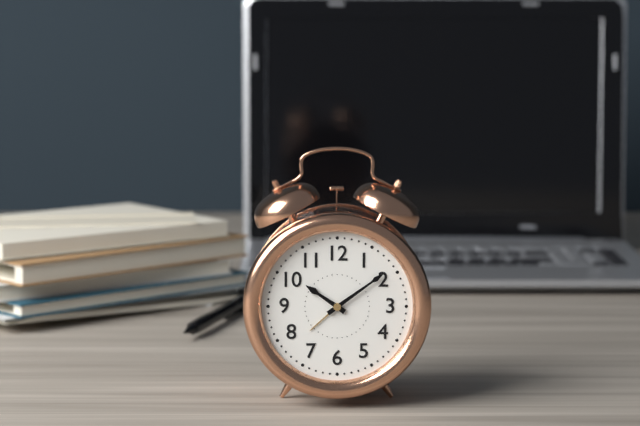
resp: 10h09
